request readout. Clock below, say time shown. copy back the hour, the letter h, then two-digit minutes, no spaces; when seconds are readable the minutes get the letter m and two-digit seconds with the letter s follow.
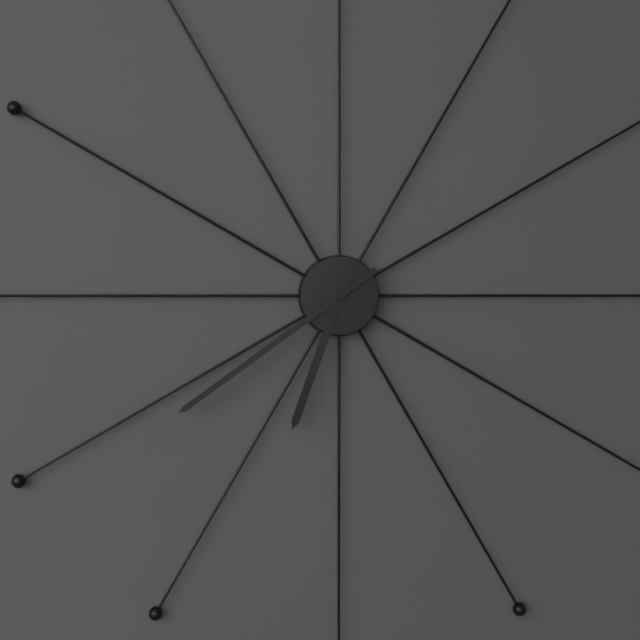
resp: 6h39
